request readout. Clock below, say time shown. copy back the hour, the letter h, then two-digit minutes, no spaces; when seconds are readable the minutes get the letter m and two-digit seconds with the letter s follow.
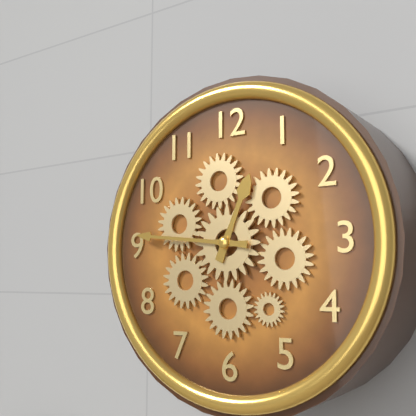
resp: 12h46
